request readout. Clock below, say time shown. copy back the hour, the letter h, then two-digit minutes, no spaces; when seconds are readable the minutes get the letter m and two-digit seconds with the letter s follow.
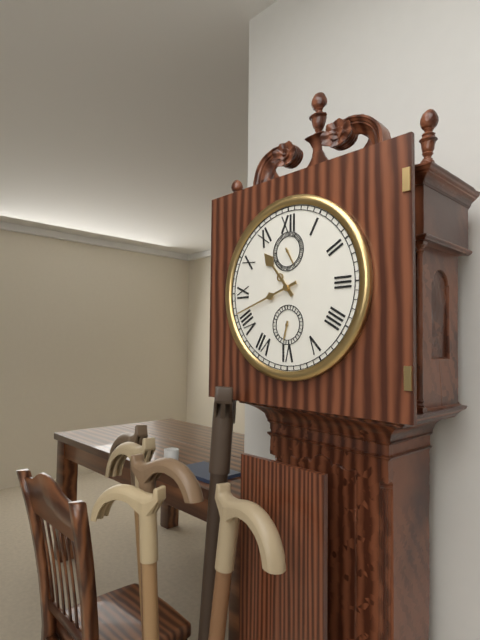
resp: 10h42
